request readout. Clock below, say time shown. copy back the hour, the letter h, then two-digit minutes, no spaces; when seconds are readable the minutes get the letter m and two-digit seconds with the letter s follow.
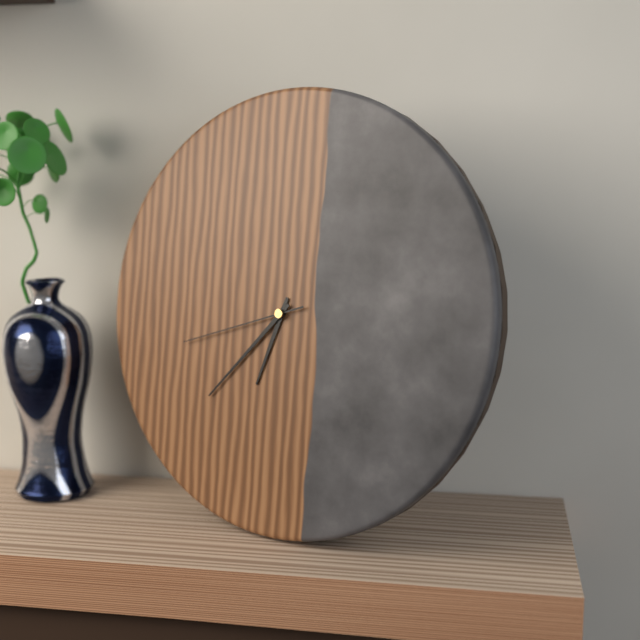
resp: 6h37m42s
